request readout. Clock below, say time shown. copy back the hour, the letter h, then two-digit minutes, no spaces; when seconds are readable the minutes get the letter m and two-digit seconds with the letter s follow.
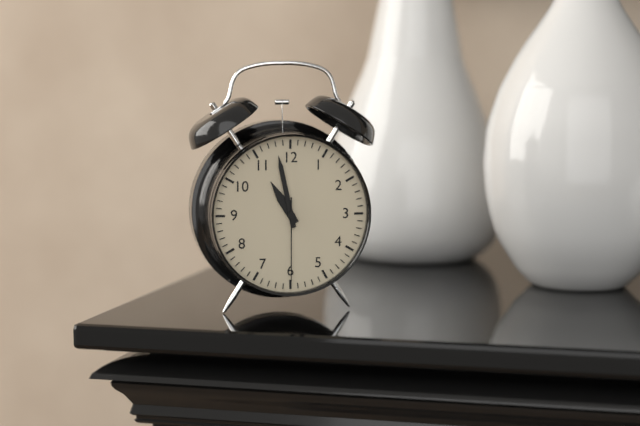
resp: 10h58m30s
